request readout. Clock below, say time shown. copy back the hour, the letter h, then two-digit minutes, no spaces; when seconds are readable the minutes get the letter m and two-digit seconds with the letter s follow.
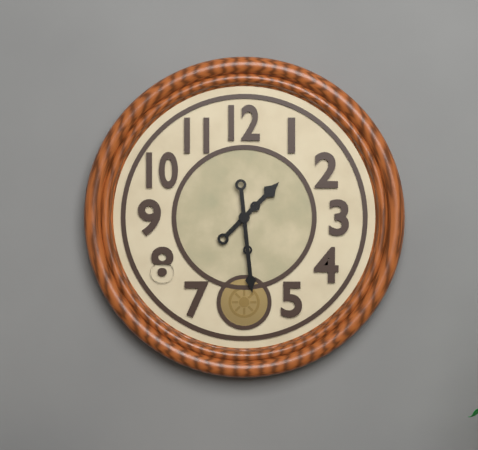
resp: 1h29
